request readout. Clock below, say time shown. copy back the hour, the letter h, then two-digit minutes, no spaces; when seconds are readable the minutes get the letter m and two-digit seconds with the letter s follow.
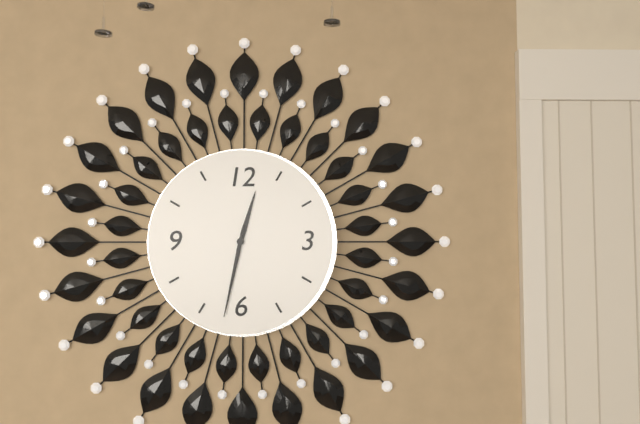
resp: 12h32m32s
